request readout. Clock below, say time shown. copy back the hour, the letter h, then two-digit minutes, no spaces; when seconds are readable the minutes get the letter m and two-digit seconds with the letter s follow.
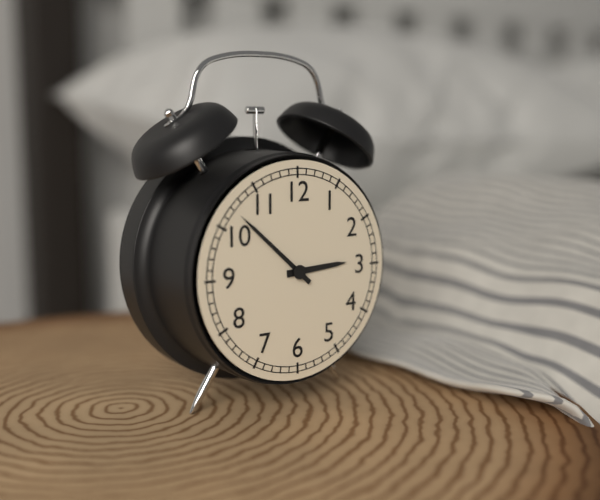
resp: 2h52
